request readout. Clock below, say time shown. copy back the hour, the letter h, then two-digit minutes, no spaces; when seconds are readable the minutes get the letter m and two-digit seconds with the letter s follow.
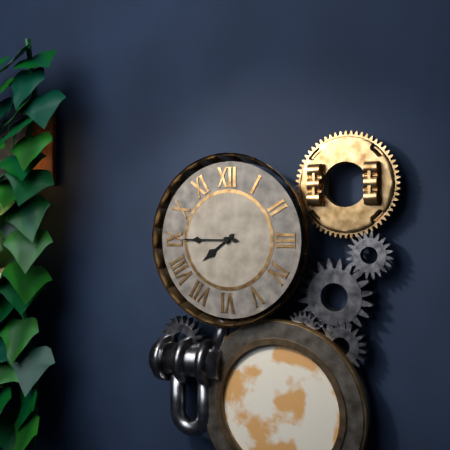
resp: 7h45
